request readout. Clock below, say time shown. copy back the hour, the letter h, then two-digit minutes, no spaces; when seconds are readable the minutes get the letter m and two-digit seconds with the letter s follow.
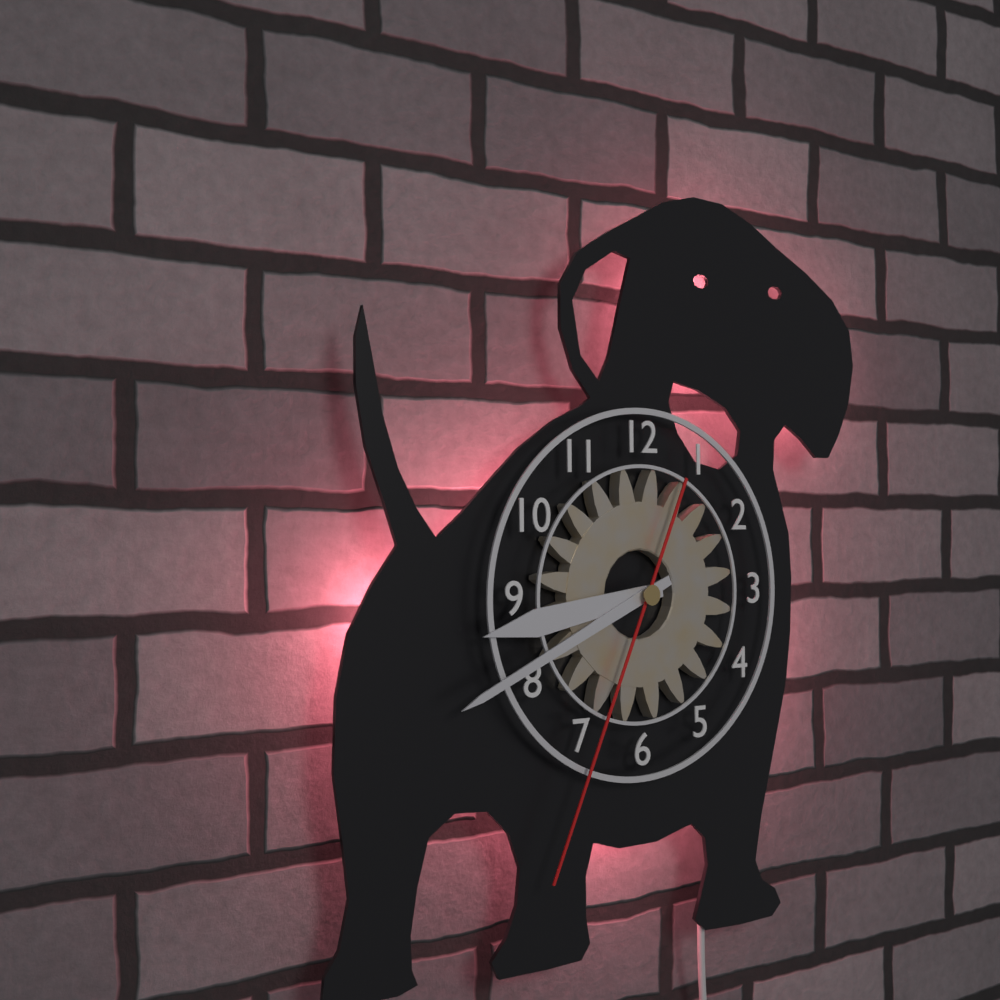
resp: 8h41m34s
